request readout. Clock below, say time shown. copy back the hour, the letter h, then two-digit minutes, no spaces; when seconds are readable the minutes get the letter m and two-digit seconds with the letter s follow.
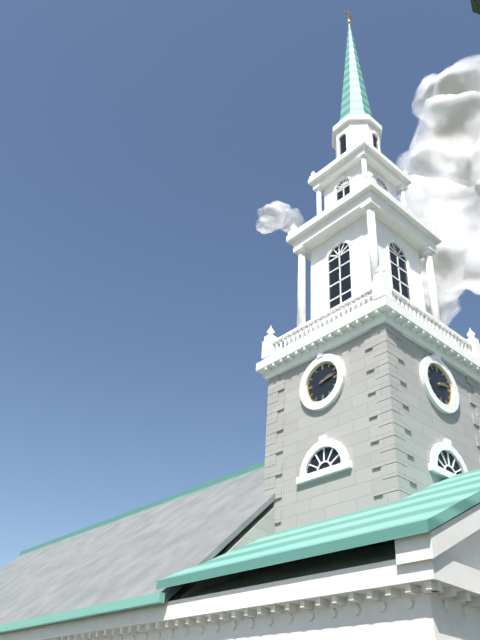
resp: 2h13
